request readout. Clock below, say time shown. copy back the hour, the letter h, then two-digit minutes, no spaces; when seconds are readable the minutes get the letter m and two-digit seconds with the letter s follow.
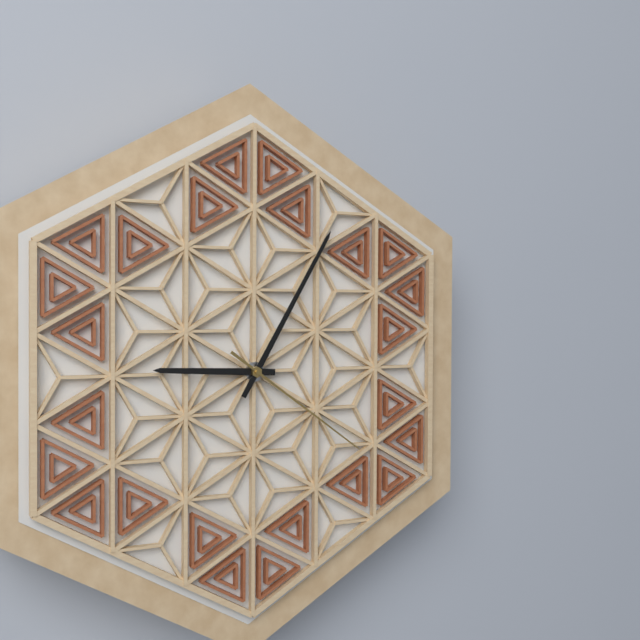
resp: 9h05m21s
